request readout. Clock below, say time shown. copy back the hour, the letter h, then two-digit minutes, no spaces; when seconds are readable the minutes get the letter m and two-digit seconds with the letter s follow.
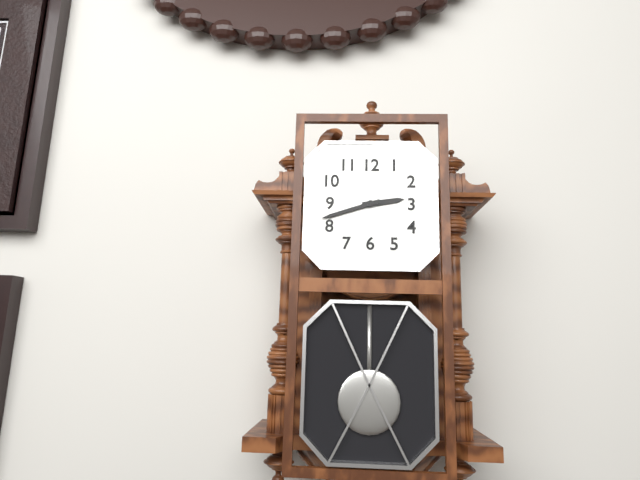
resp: 2h42
